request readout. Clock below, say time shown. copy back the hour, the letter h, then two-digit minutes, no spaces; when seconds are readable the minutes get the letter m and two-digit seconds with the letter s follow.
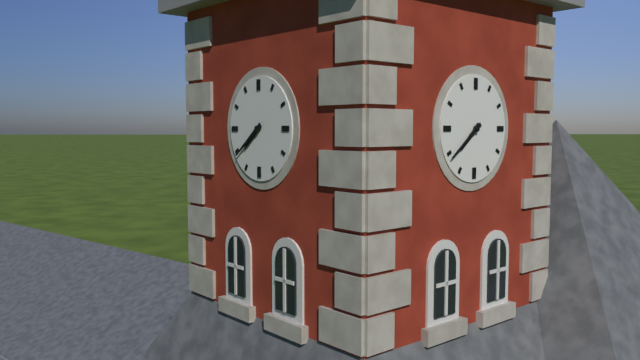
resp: 7h39
